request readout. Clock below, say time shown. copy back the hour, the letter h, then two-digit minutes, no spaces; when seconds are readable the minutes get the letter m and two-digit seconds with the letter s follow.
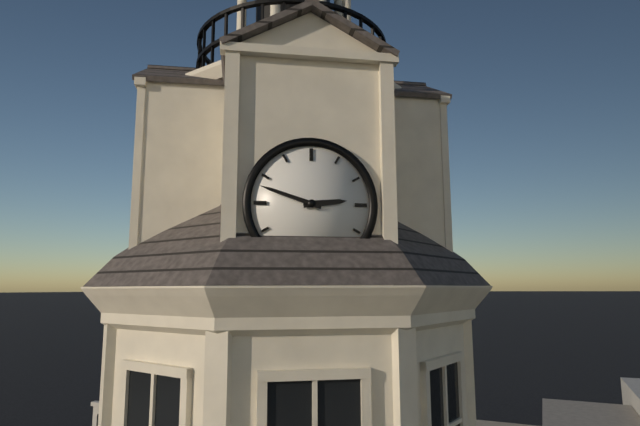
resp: 2h48
